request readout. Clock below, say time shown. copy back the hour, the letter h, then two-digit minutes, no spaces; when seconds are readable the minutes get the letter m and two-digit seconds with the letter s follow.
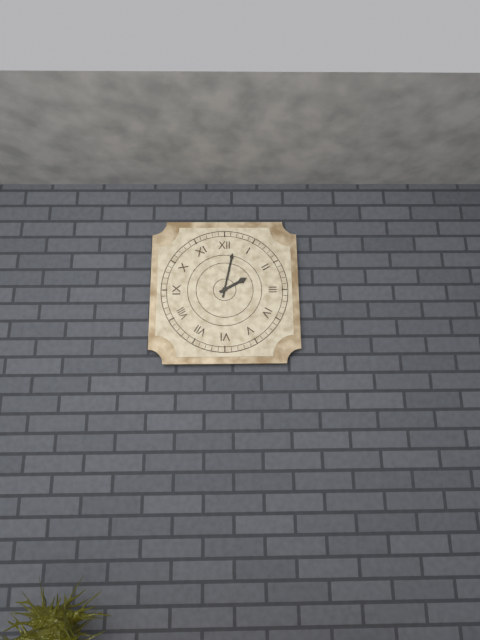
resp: 2h02
